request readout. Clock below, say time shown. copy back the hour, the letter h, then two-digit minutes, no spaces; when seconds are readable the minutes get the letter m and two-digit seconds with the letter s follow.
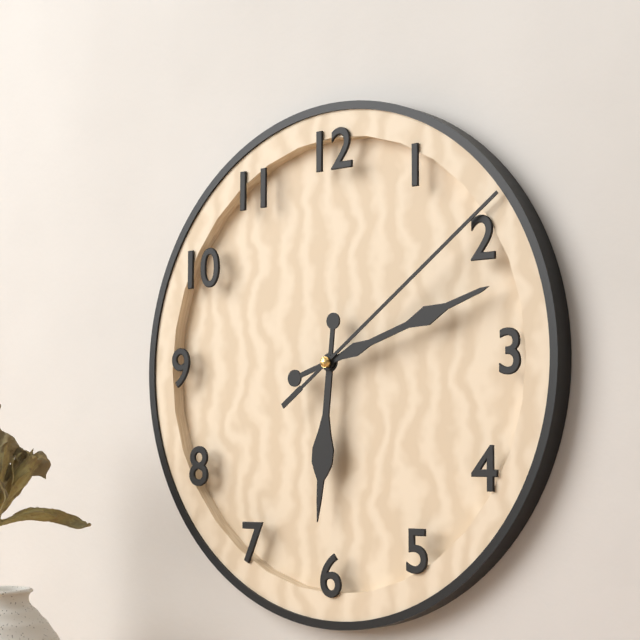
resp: 6h12m09s
